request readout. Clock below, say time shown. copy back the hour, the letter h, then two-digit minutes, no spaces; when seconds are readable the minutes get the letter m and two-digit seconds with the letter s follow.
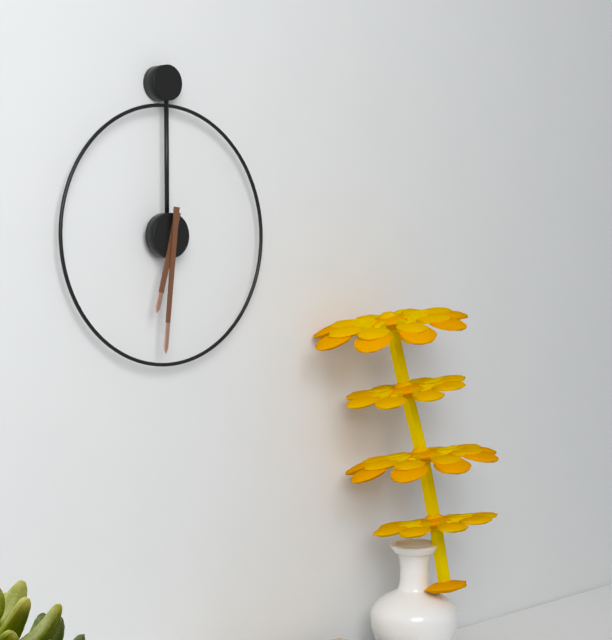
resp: 6h31
